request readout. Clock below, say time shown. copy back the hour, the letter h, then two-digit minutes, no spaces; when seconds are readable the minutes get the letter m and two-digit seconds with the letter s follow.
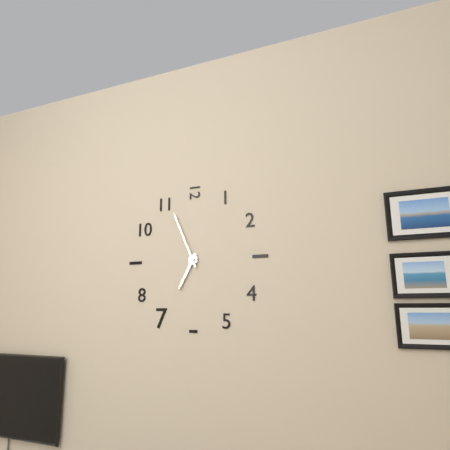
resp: 6h56
